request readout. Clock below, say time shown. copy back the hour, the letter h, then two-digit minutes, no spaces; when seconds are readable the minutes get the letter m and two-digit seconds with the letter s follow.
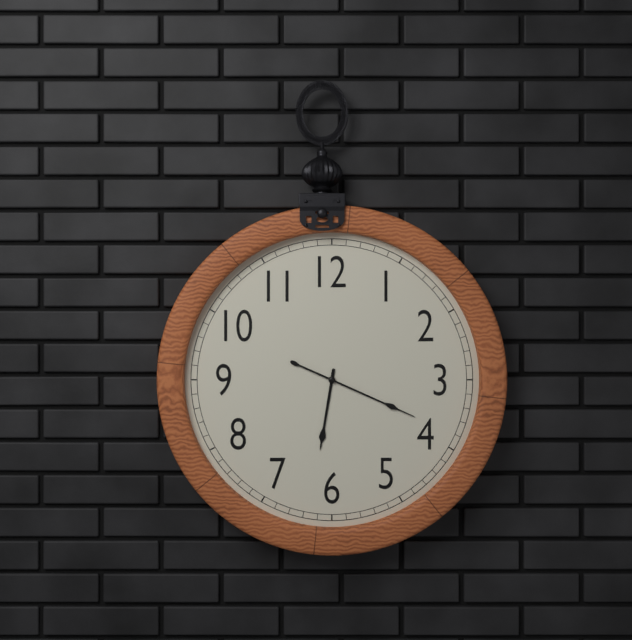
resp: 6h19
